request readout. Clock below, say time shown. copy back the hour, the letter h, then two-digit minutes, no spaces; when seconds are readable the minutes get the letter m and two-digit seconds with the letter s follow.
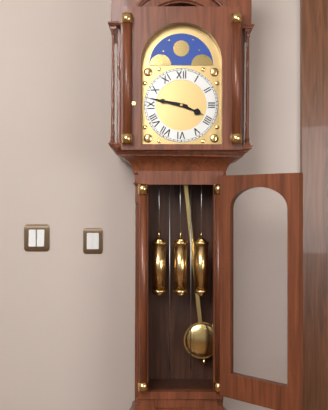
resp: 3h47
